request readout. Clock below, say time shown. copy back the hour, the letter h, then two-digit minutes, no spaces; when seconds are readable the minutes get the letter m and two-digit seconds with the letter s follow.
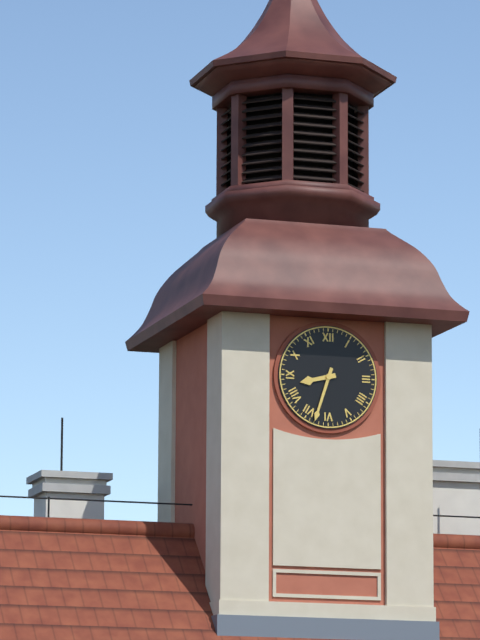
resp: 8h33
